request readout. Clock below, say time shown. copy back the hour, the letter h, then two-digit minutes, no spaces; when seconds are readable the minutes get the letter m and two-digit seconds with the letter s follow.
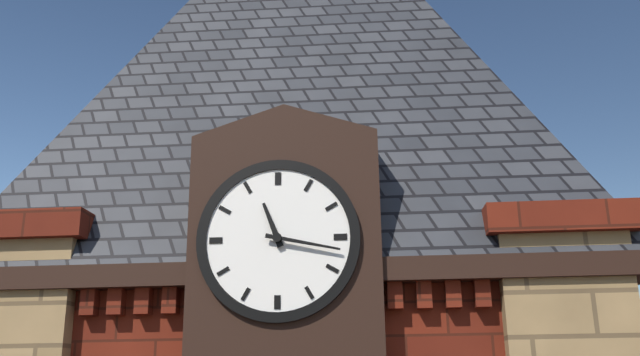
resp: 11h17
